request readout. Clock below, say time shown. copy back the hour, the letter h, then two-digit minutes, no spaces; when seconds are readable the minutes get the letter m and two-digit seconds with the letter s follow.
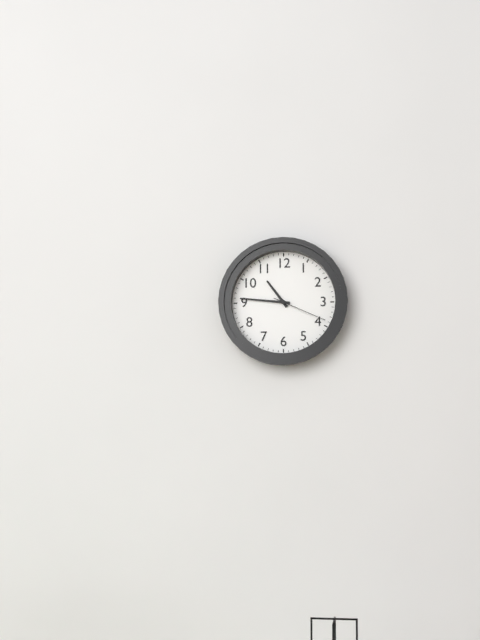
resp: 10h46m19s
